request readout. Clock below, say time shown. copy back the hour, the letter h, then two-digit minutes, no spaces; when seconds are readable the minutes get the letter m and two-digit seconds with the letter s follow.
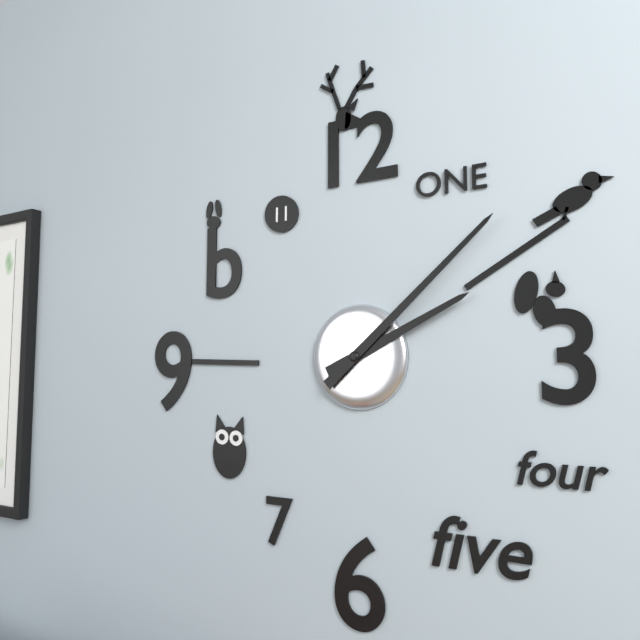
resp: 2h08
